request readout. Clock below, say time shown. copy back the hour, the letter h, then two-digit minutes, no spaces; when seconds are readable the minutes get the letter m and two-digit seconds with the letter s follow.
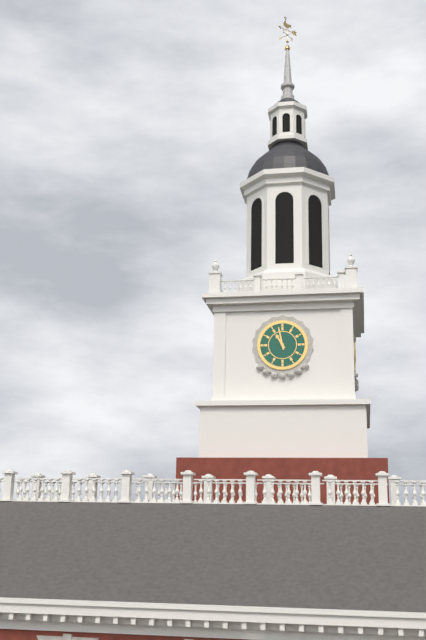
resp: 10h58
